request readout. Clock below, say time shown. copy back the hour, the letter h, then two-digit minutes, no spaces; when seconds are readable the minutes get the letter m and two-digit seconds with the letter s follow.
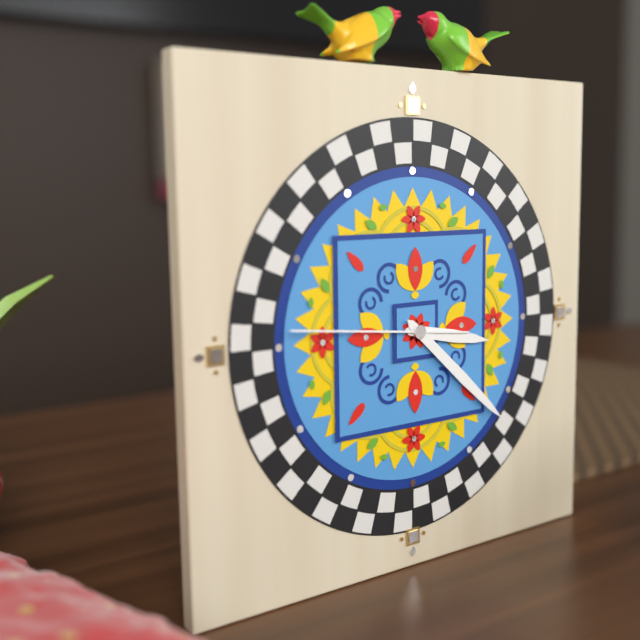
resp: 3h22m46s
